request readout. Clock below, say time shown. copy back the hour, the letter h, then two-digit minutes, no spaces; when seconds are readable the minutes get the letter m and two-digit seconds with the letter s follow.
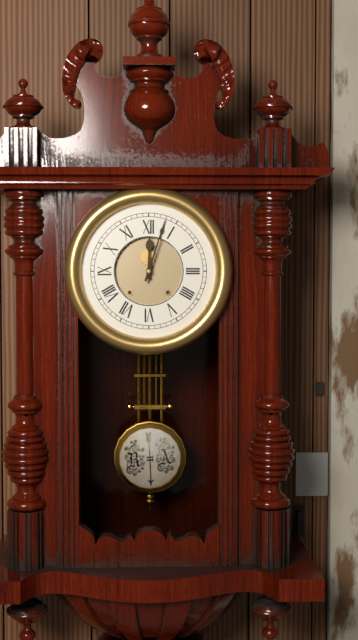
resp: 12h03
